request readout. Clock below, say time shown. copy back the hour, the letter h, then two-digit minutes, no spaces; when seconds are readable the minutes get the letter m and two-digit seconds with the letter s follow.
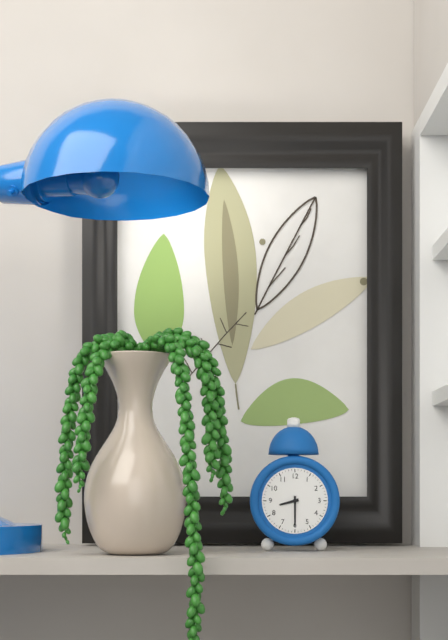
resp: 8h30
